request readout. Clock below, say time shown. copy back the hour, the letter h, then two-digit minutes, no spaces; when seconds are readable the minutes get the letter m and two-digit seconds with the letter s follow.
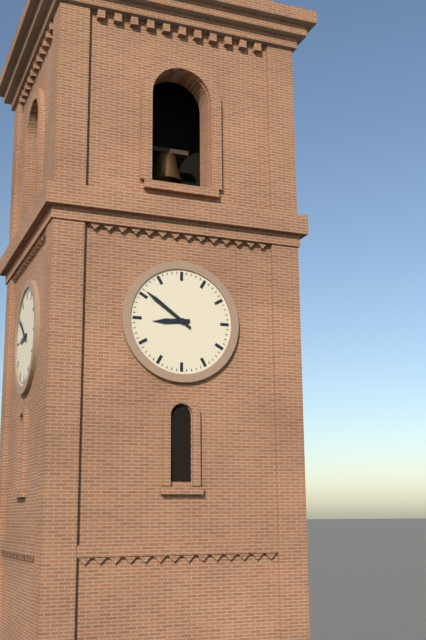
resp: 8h51
